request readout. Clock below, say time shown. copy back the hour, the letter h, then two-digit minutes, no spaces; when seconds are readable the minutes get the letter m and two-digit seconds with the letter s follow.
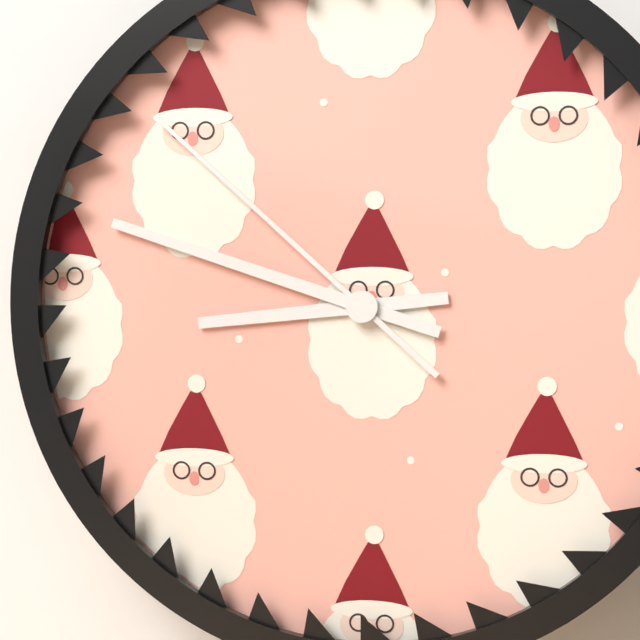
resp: 8h48m52s
